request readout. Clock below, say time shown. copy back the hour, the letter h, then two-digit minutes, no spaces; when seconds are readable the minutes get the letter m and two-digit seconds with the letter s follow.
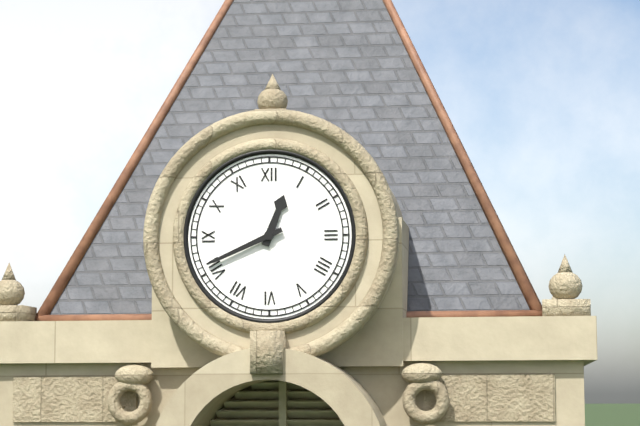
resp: 12h41
